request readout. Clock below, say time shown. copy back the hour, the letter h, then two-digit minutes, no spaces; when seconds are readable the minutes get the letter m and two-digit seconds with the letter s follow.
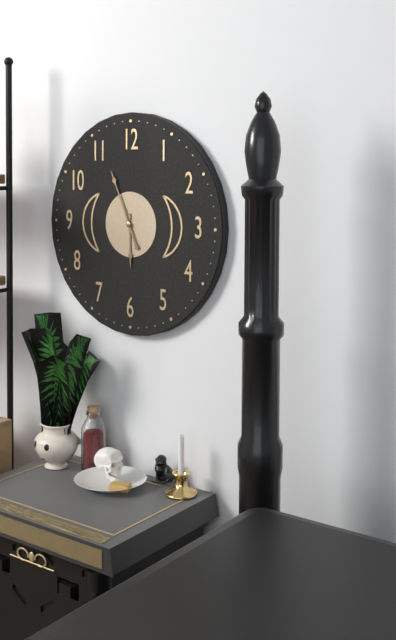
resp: 5h56
